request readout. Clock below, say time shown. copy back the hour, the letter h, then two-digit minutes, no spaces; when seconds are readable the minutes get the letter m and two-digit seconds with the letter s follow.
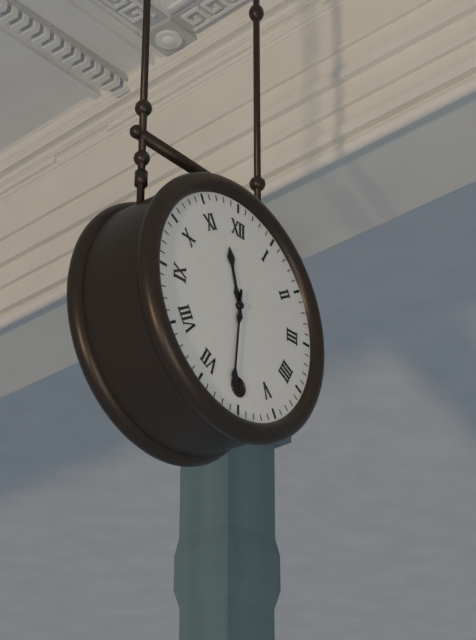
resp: 11h31
